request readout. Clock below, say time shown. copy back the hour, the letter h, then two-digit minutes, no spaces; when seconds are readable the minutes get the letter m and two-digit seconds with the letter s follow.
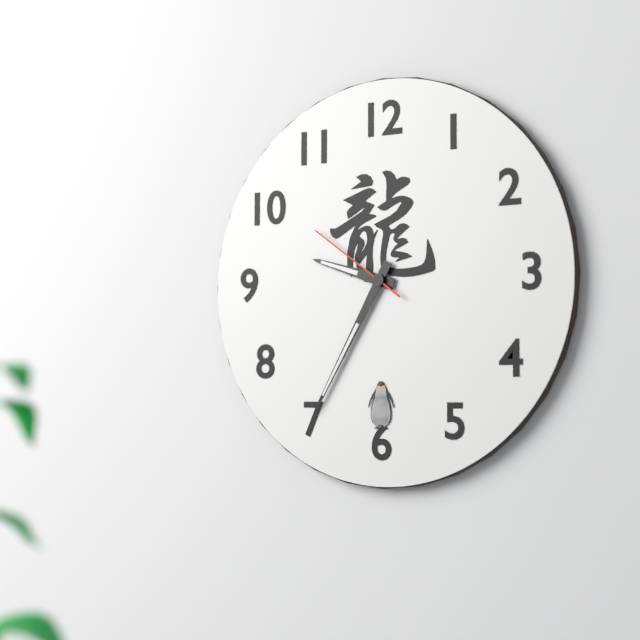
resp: 9h35m51s
